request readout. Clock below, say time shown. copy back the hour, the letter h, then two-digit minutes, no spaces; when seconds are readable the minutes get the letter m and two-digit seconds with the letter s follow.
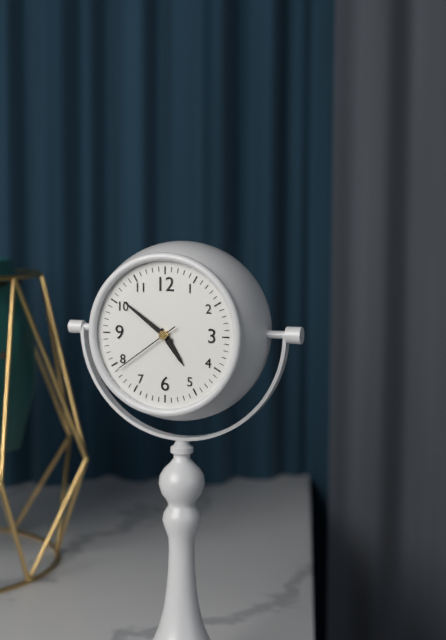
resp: 4h51m39s
